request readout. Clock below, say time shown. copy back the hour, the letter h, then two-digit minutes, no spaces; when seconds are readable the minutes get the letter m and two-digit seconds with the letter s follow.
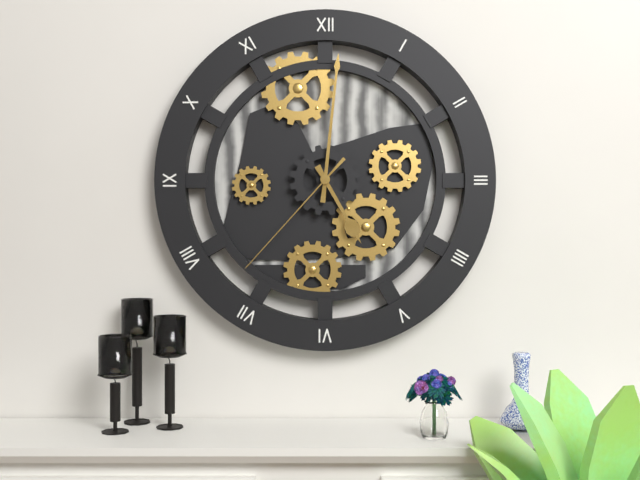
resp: 5h01m37s
